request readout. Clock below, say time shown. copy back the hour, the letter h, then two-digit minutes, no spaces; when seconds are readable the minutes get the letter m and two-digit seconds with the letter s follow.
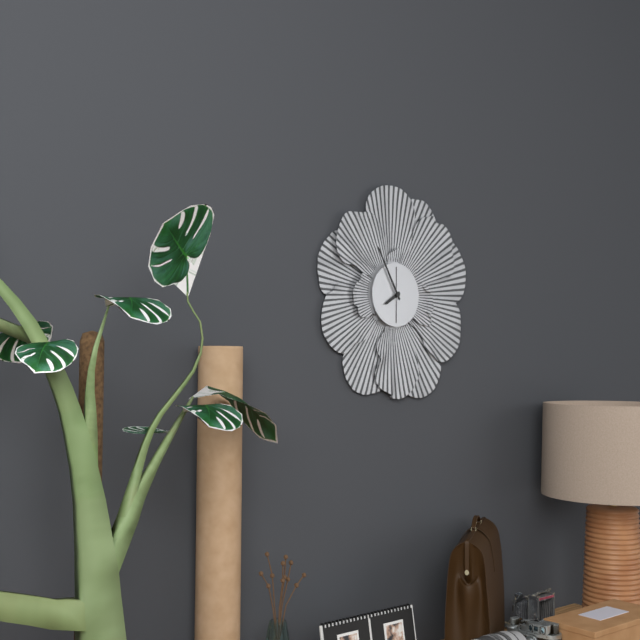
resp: 7h55
